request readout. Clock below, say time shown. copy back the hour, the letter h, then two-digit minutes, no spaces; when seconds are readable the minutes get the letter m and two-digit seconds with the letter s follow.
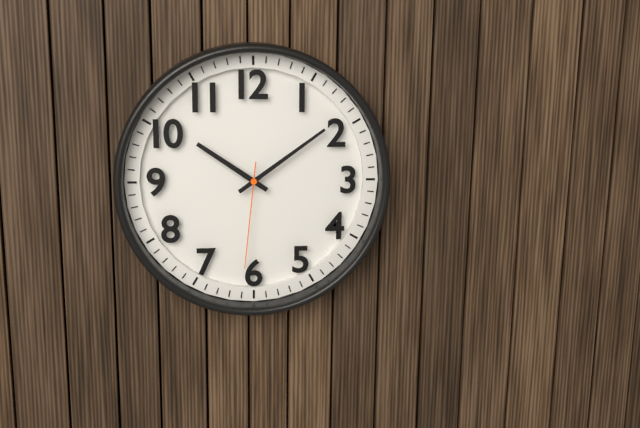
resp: 10h09m31s
